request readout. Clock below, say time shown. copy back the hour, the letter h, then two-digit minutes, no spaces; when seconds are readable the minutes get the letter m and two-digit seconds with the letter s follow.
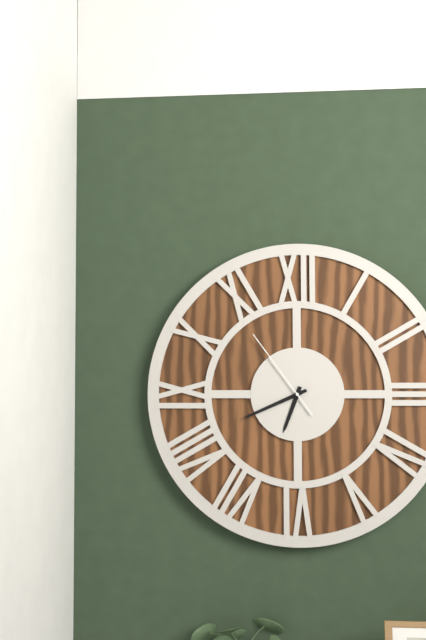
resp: 6h41m54s
